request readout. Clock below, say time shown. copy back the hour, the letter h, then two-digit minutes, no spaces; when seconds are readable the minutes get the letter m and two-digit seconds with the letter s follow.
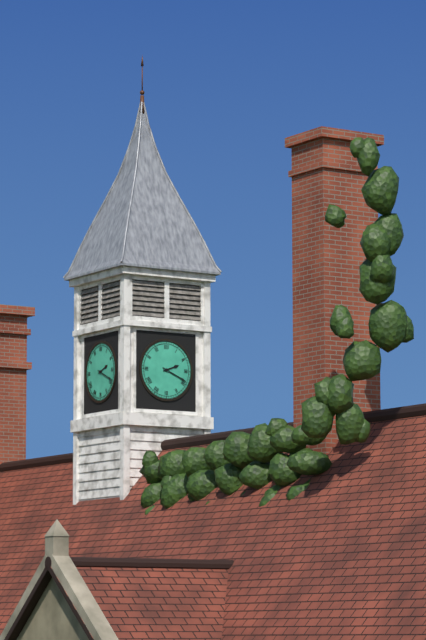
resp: 2h19
